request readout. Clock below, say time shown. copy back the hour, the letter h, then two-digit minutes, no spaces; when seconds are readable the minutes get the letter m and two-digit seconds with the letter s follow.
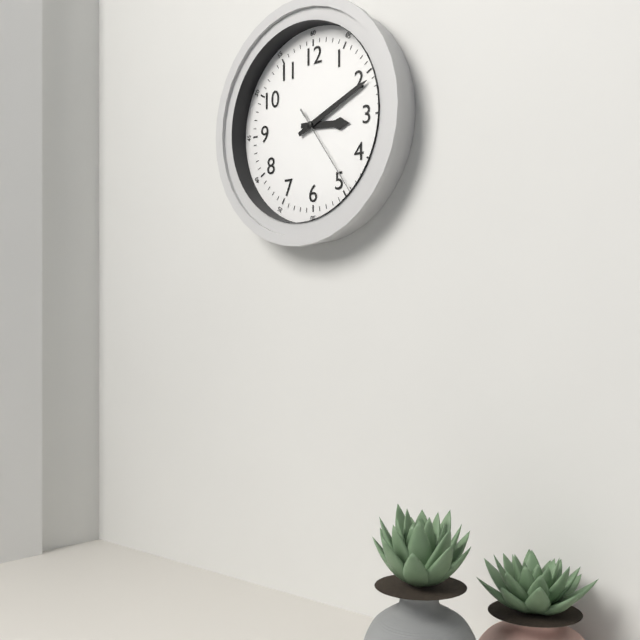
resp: 3h11m24s
